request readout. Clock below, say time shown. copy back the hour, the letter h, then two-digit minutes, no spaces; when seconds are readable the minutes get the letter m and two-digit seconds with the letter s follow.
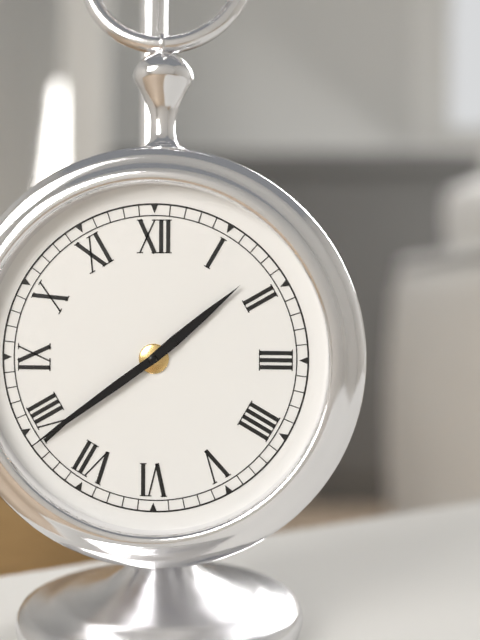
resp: 1h39
